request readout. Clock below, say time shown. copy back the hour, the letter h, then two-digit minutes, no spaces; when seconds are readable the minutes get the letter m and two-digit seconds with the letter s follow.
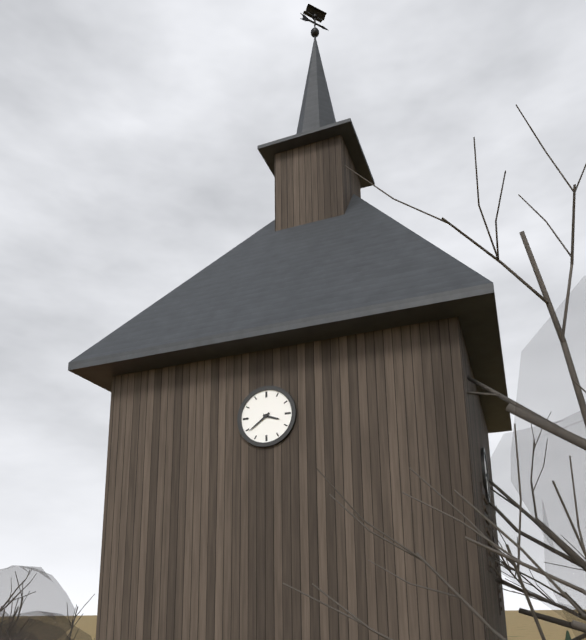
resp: 3h39
